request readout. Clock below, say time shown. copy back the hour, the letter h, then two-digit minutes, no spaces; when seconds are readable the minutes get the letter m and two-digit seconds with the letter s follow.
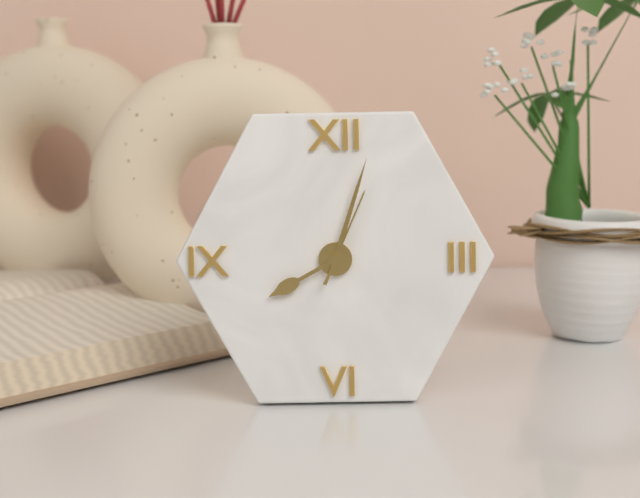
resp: 8h03m04s
